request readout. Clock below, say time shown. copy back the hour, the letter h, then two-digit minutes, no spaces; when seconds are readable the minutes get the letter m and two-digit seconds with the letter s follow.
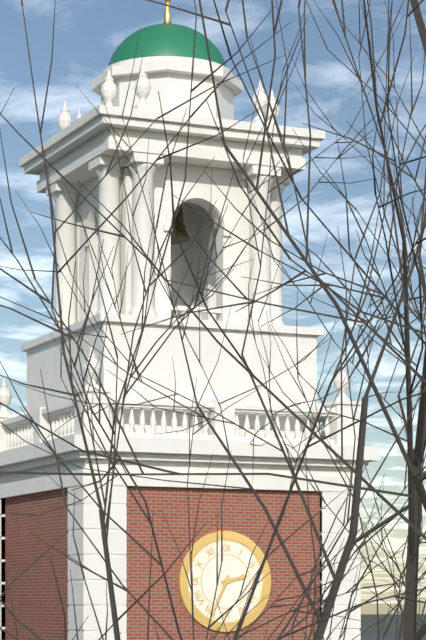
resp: 2h34
